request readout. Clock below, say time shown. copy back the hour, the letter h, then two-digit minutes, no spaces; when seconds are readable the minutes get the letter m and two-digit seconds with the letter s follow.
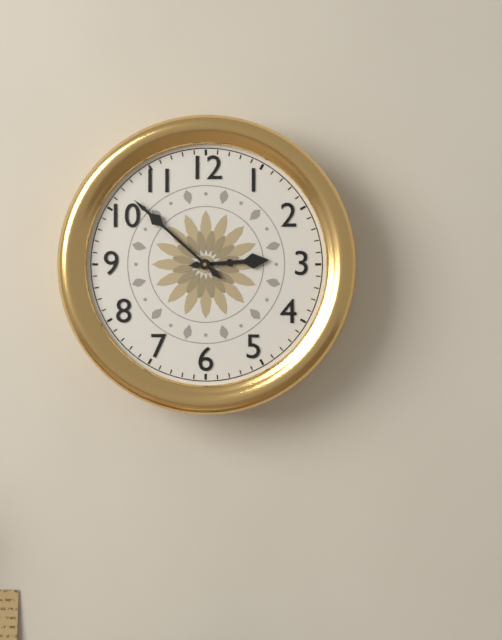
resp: 2h52
